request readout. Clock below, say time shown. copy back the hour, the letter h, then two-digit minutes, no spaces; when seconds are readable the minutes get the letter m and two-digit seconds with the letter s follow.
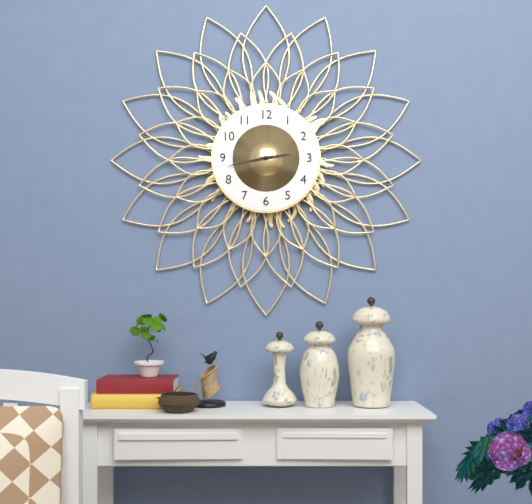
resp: 2h43
